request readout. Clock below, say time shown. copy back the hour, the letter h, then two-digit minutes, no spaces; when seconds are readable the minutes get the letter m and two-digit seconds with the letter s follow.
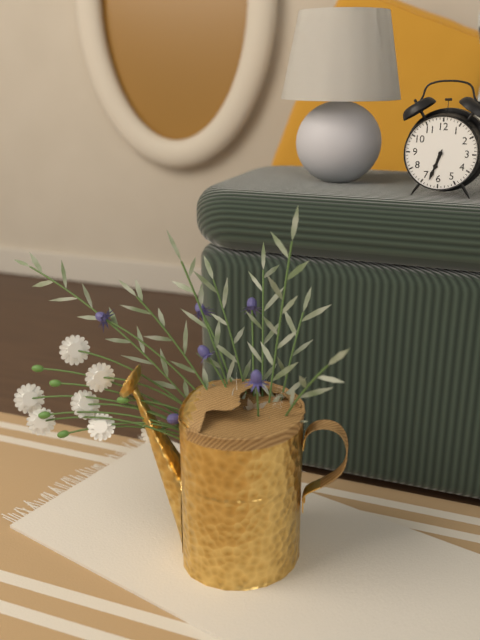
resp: 6h33
